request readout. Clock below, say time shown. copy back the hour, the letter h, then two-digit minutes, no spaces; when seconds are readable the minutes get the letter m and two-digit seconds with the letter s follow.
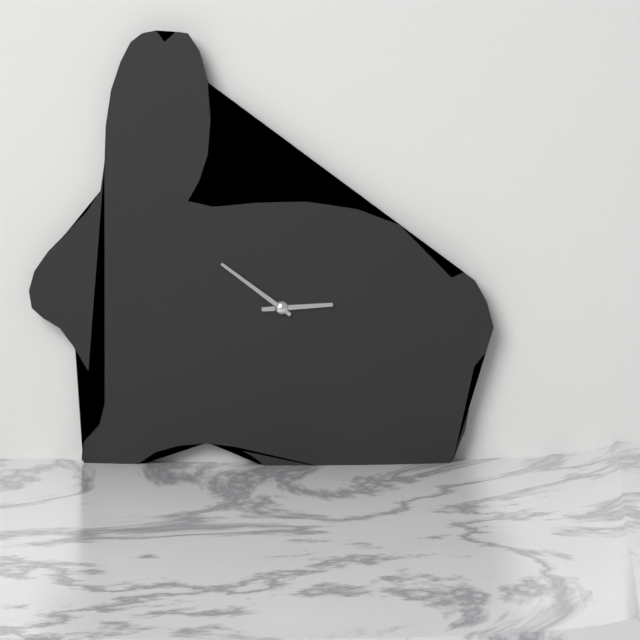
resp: 2h51
